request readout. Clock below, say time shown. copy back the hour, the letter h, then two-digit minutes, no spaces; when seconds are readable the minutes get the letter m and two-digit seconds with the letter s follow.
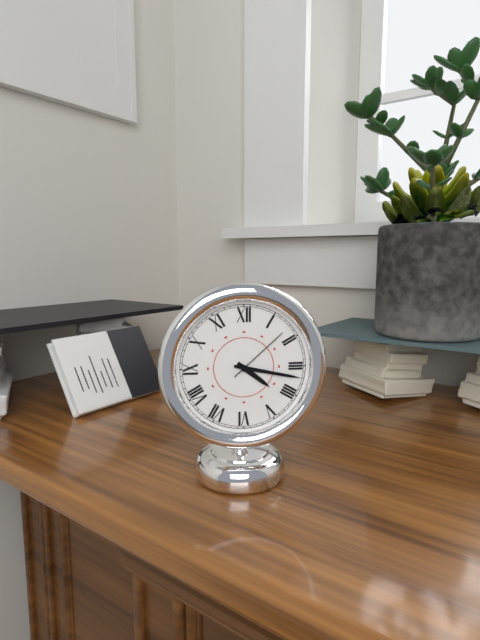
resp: 4h17m08s
